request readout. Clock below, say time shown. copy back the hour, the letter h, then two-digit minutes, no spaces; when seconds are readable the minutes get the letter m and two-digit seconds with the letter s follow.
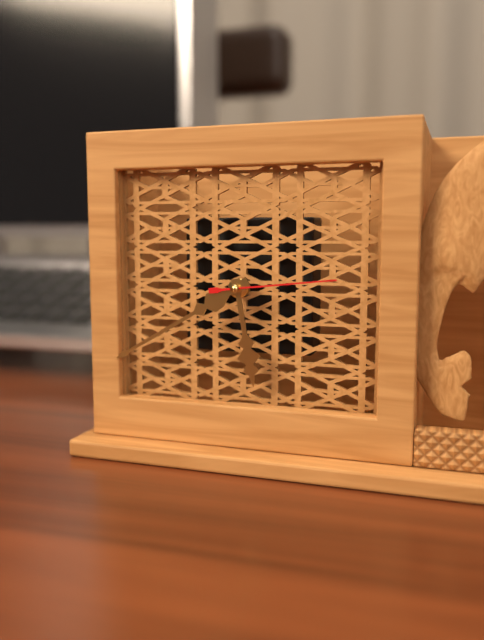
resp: 5h40m14s
